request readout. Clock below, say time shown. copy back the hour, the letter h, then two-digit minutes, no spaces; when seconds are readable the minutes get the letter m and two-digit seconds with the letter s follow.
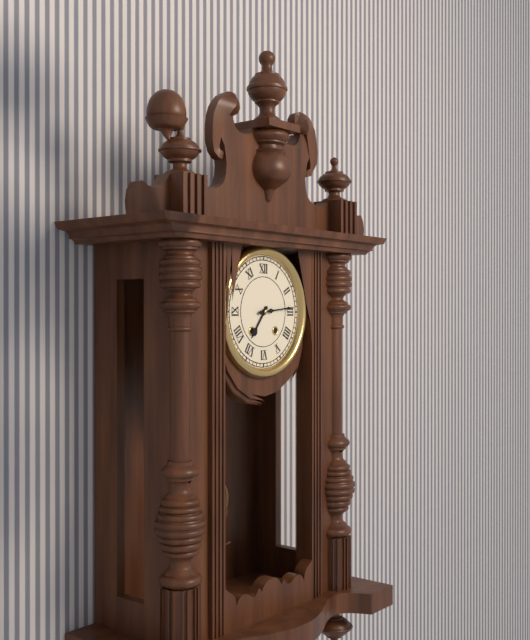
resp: 7h14
